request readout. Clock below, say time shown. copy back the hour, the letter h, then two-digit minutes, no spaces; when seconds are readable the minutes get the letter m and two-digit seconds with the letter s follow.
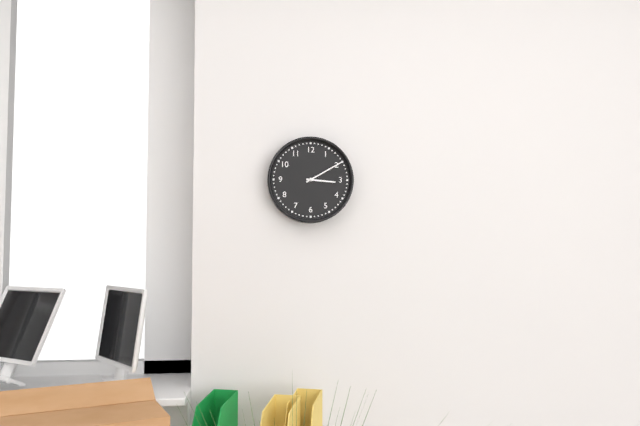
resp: 3h10
